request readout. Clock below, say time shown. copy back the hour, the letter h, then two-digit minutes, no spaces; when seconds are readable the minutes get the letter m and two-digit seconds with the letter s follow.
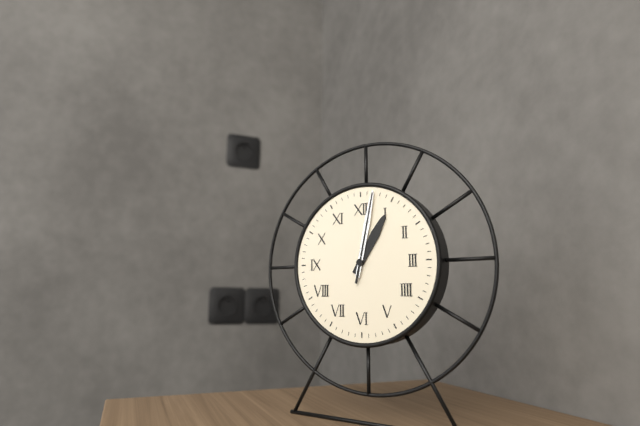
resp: 1h02m02s
